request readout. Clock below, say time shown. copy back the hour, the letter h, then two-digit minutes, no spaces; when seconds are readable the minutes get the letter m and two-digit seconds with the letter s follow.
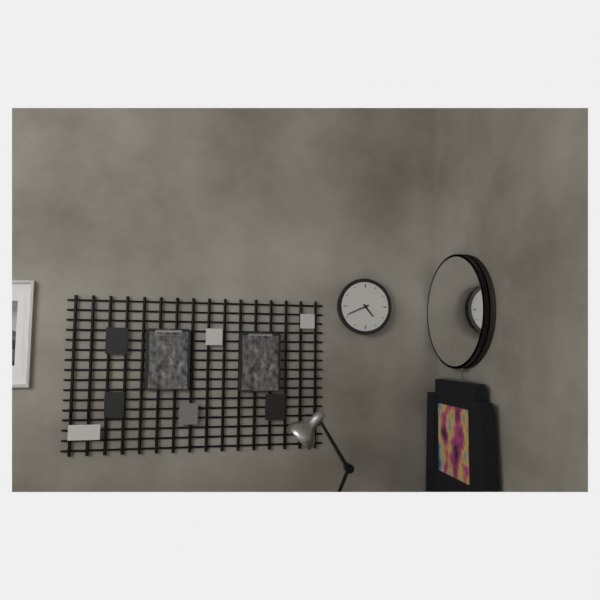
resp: 4h41
